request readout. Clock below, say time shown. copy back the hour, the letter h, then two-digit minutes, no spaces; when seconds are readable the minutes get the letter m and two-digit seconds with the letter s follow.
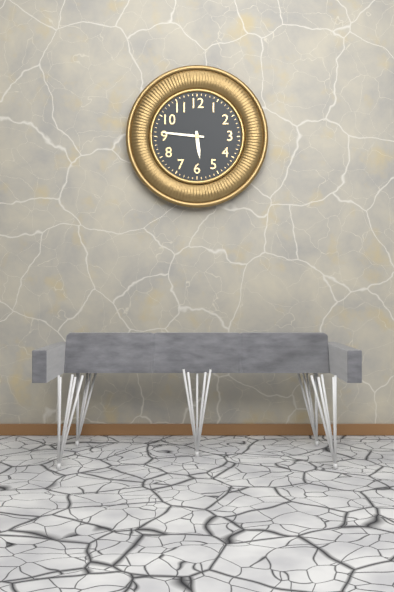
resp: 5h46
